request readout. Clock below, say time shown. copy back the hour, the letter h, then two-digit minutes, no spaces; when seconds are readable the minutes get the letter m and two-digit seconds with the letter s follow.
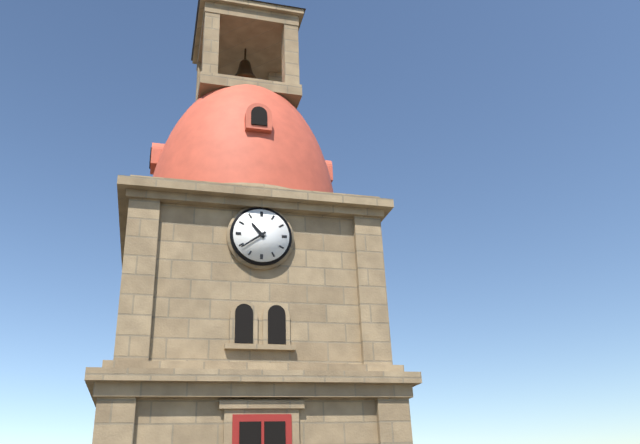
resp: 10h39
